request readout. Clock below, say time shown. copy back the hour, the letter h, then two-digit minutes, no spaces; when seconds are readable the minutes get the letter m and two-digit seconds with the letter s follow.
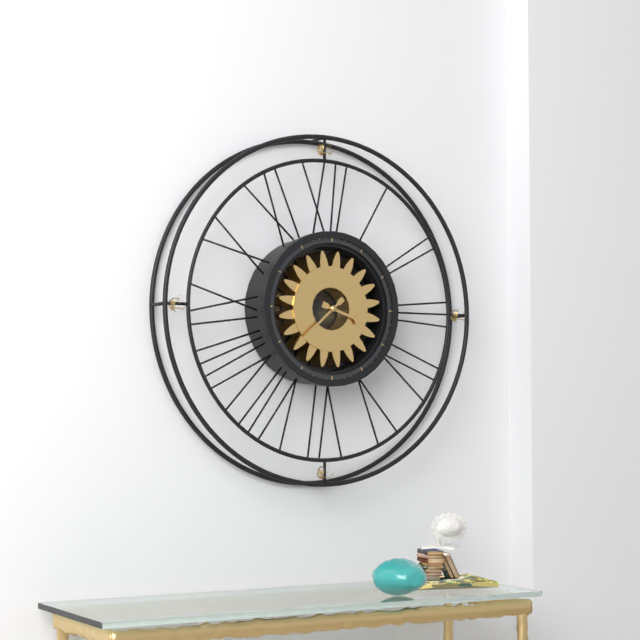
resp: 3h38
